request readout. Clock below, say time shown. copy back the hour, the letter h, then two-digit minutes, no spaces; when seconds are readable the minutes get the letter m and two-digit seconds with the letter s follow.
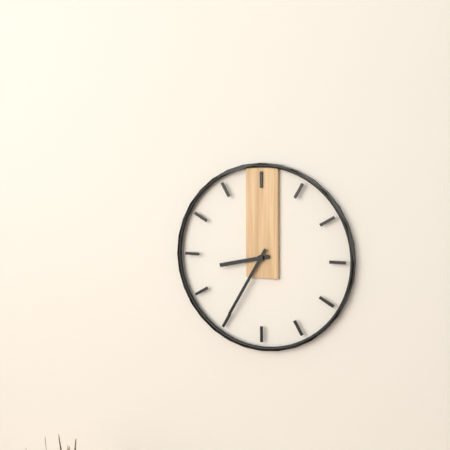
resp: 8h35
